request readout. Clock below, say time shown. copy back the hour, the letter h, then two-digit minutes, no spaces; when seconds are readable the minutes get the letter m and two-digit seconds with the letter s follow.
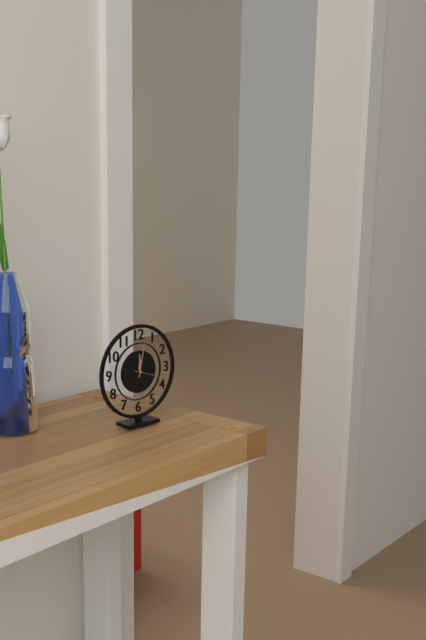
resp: 12h02
